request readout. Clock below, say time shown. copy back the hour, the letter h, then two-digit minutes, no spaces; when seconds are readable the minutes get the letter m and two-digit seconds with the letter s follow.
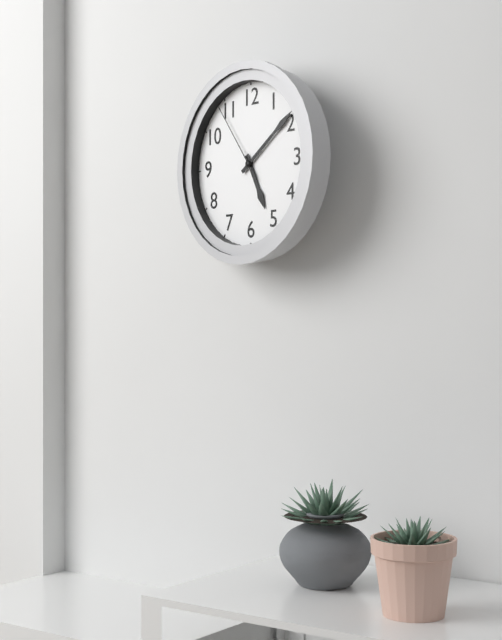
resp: 5h09m54s
